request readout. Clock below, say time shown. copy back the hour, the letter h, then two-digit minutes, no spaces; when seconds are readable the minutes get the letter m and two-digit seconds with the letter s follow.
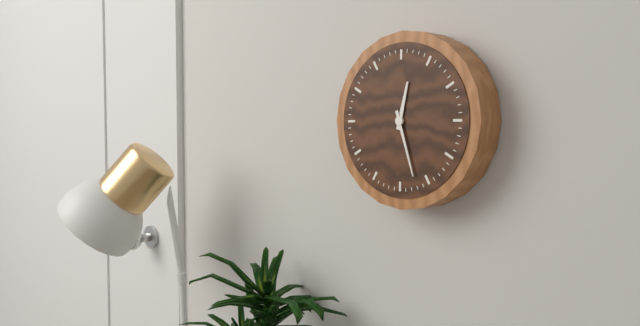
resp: 12h27
